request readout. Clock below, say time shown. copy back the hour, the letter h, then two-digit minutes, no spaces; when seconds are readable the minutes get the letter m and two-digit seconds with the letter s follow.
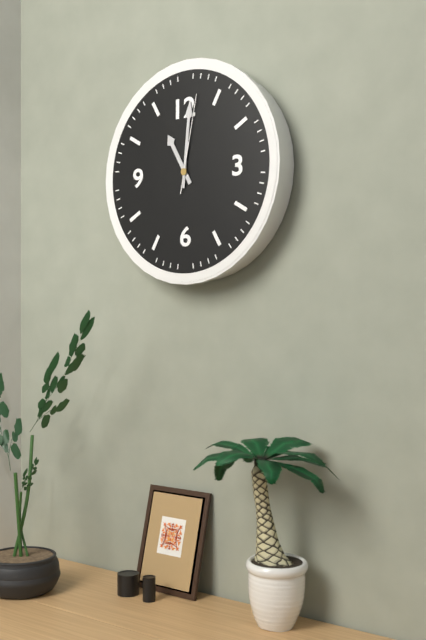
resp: 11h01m02s
